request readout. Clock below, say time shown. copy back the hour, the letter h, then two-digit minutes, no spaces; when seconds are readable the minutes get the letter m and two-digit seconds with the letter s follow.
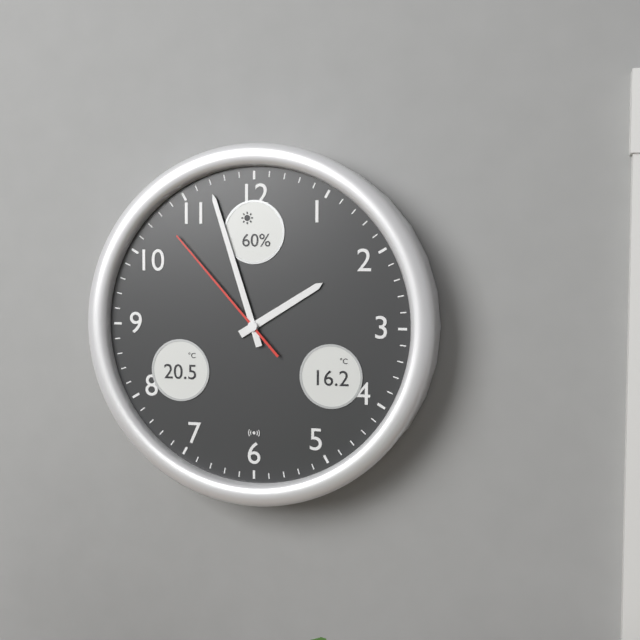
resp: 1h57m53s
